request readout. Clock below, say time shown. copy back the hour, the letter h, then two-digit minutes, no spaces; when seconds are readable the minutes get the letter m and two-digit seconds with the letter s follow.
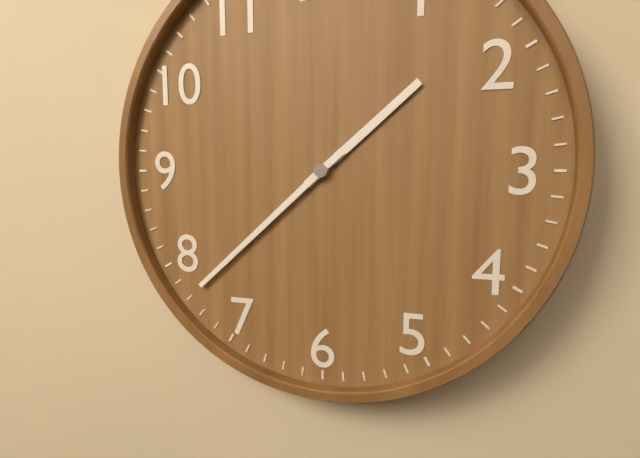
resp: 1h38
